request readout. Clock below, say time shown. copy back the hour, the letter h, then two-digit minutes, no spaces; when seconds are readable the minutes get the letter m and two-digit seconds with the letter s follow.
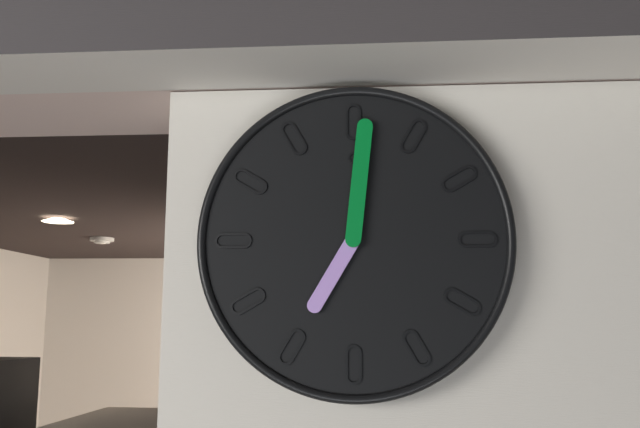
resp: 7h01
